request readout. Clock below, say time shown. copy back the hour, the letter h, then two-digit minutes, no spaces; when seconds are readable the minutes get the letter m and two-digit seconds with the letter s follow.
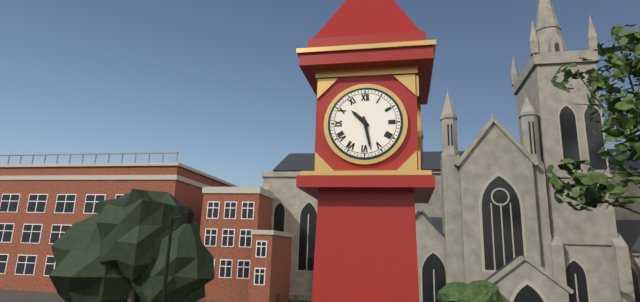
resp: 10h28
